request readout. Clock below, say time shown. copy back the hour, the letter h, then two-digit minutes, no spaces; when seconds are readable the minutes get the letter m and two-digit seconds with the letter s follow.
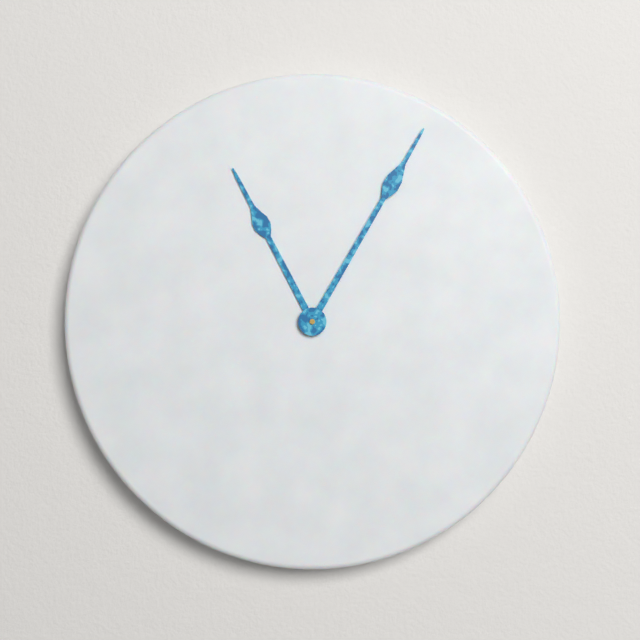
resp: 11h05
